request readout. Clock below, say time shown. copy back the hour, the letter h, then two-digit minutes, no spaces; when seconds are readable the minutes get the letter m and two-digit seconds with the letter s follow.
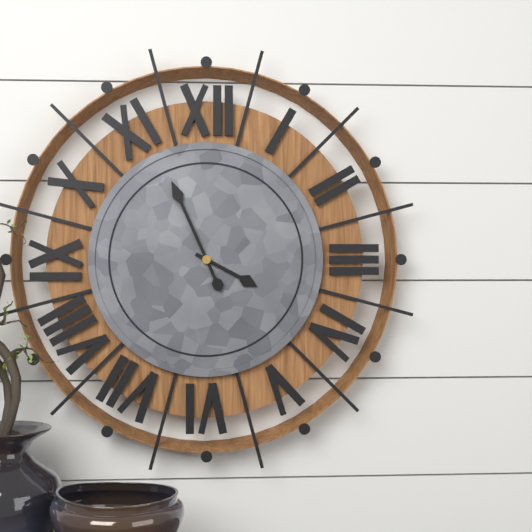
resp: 3h56
